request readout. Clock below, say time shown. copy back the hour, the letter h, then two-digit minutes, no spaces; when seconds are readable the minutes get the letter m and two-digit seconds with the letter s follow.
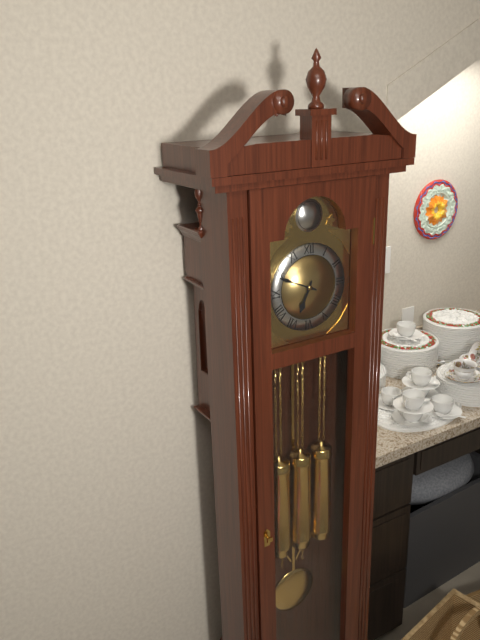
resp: 6h49
